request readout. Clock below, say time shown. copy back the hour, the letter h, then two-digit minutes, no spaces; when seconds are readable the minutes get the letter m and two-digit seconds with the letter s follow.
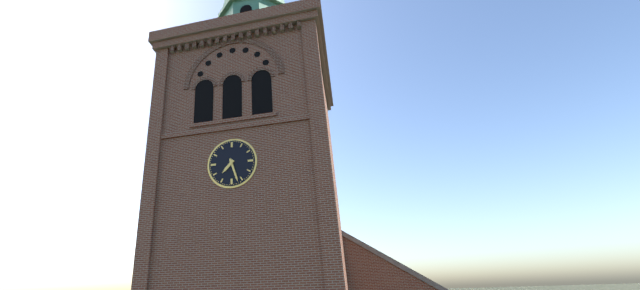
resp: 7h27
